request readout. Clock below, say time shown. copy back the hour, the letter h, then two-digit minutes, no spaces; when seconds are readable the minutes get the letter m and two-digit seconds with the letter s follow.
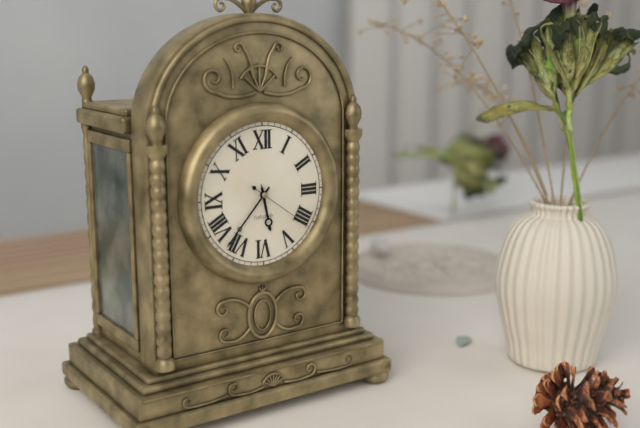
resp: 5h37m21s
